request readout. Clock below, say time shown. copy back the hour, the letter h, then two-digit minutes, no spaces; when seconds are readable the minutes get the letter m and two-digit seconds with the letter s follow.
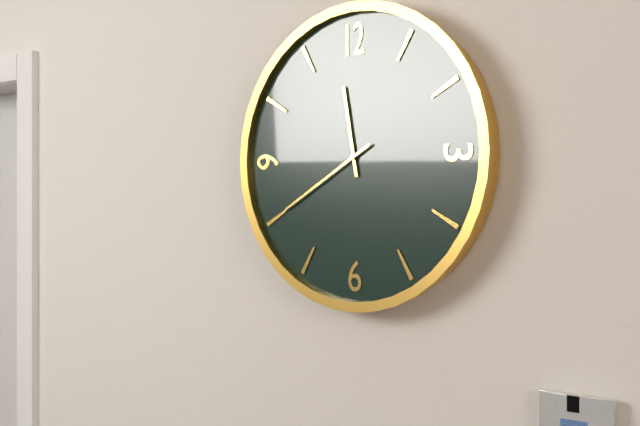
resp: 11h40
